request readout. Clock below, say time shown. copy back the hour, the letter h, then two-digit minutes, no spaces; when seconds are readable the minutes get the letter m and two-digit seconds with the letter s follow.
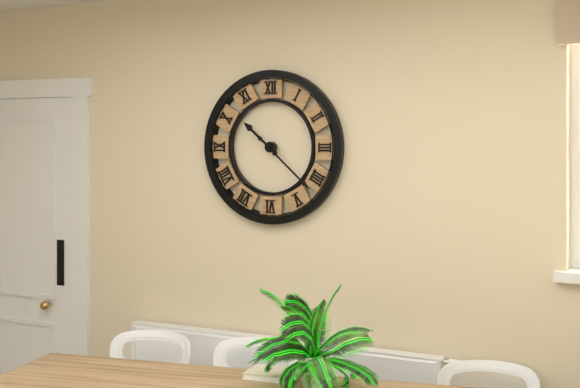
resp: 10h22
